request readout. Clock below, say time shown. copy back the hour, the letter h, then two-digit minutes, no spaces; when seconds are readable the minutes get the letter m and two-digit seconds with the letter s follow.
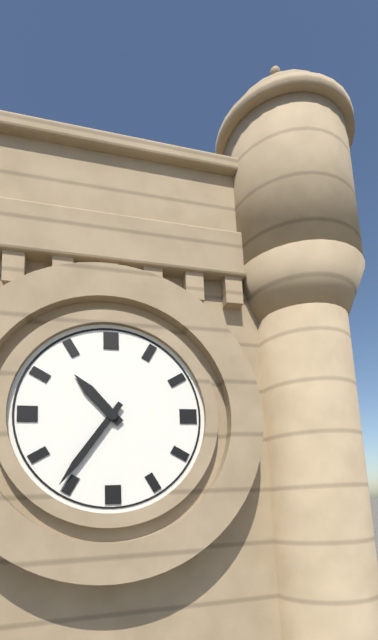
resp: 10h36
